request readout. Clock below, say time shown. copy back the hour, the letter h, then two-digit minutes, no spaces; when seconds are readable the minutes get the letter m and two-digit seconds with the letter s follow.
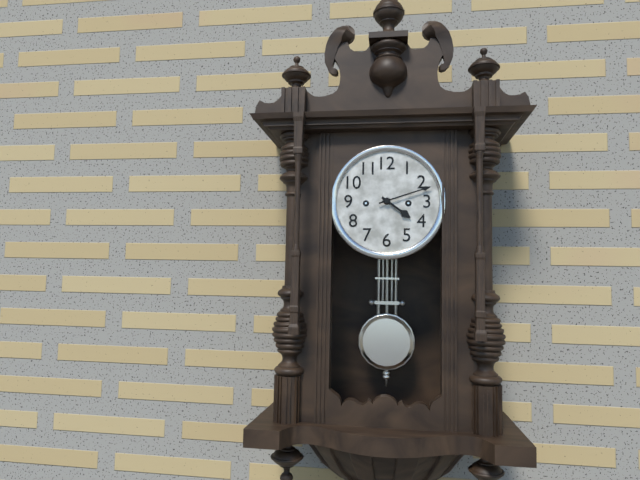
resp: 4h12
